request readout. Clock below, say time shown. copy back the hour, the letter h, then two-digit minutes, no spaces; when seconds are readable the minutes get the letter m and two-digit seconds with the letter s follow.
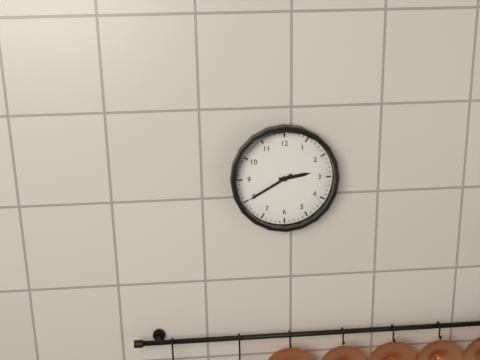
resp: 2h40
